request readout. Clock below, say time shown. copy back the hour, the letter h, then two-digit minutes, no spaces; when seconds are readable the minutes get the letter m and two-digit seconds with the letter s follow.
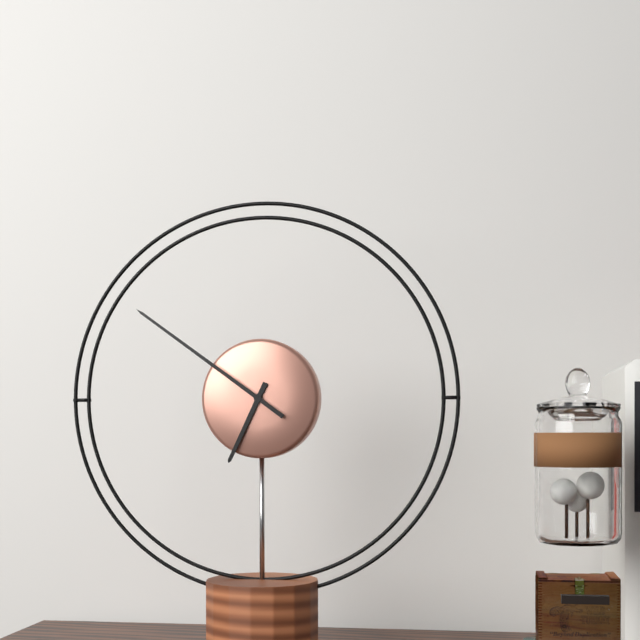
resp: 6h51
